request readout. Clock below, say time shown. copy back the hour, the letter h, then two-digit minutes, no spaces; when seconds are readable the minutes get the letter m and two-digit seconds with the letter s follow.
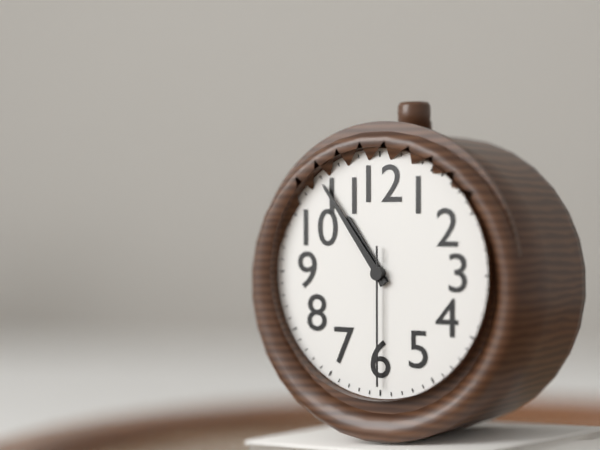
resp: 10h54m30s
